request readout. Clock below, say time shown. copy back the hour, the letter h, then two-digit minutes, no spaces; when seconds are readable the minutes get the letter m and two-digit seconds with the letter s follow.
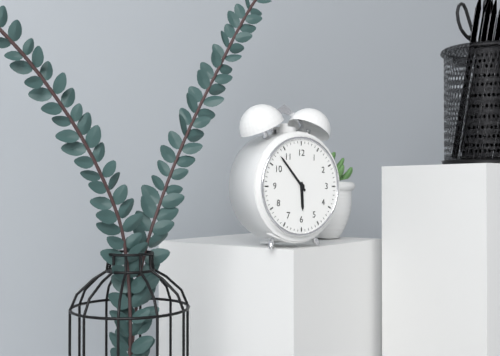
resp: 5h53
